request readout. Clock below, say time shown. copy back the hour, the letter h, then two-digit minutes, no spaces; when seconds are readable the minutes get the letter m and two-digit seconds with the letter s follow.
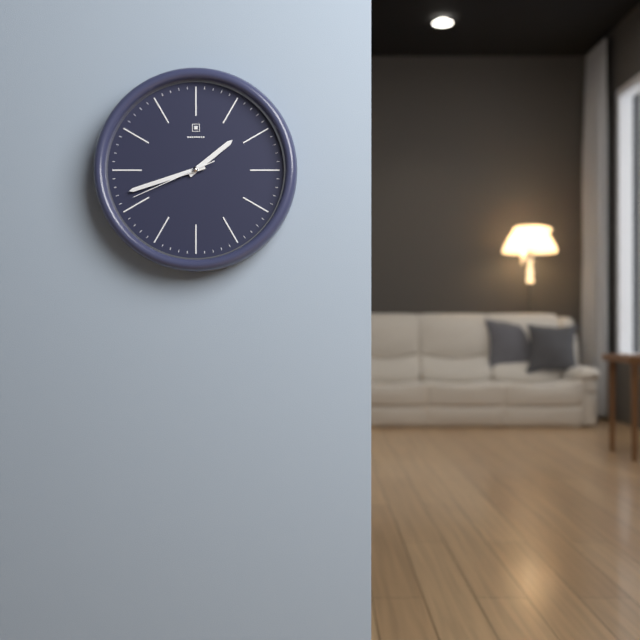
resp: 1h42m41s
